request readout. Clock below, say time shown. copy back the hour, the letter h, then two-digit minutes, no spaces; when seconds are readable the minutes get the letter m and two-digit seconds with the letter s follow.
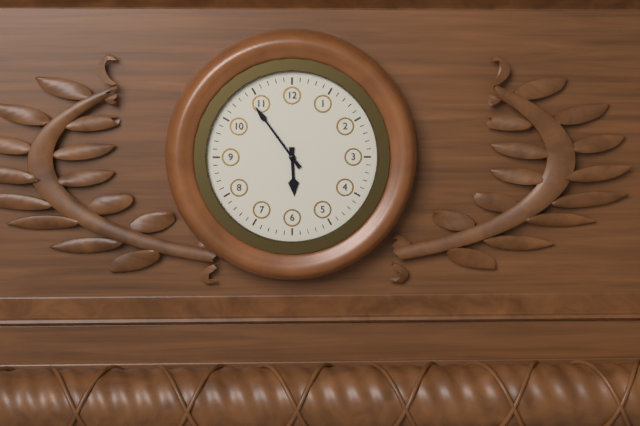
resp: 5h54
